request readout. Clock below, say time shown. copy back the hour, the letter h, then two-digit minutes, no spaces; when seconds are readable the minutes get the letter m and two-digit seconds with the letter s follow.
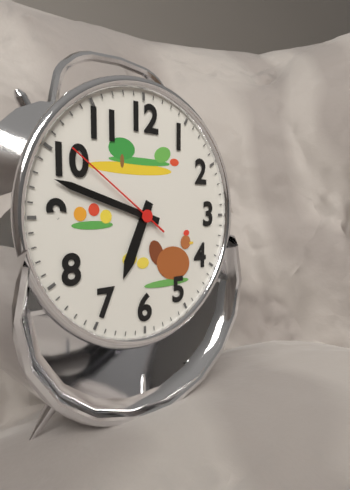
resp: 6h48m51s
